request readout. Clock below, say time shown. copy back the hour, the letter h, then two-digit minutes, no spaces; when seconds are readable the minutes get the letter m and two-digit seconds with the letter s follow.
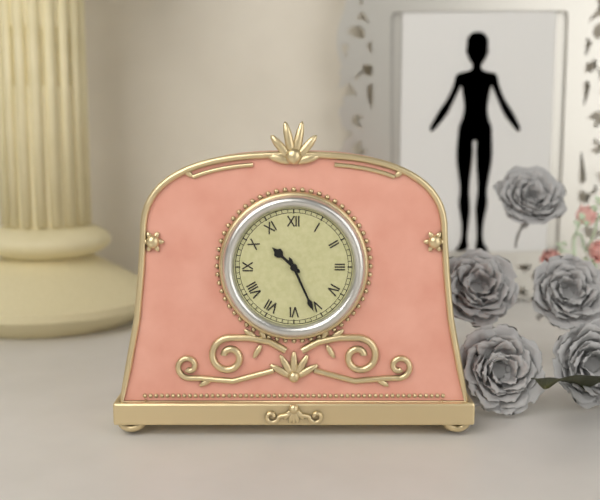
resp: 10h26
